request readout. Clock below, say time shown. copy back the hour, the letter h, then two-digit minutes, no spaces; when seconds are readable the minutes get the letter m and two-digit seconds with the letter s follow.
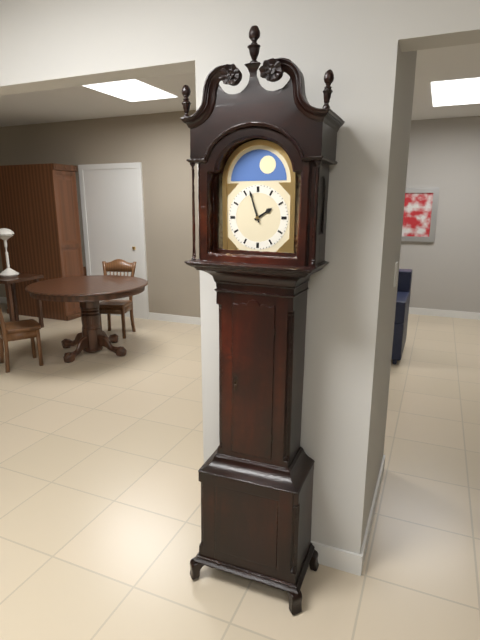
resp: 1h57
